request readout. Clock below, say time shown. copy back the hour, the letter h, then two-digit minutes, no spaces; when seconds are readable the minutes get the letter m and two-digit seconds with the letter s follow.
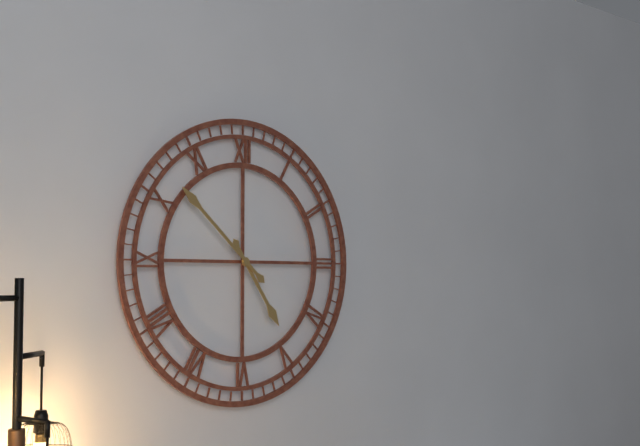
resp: 4h52
